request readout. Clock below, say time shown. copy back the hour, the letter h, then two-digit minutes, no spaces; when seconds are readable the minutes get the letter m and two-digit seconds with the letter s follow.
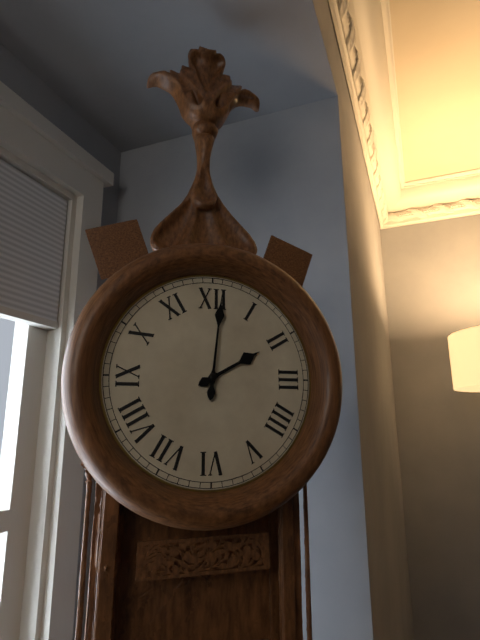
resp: 2h01
